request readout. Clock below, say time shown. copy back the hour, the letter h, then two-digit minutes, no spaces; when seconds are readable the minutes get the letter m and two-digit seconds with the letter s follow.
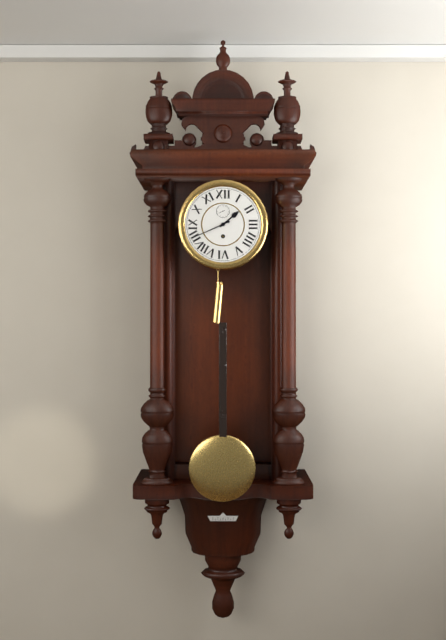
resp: 1h41
